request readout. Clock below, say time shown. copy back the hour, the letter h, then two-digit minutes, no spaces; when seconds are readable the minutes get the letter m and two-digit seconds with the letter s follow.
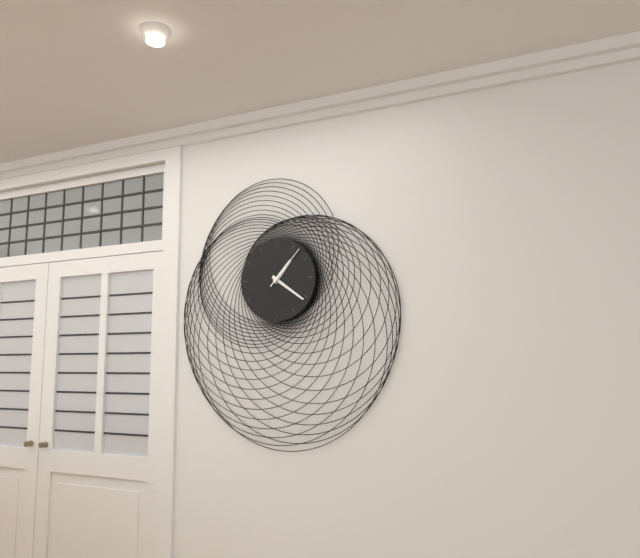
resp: 1h21
